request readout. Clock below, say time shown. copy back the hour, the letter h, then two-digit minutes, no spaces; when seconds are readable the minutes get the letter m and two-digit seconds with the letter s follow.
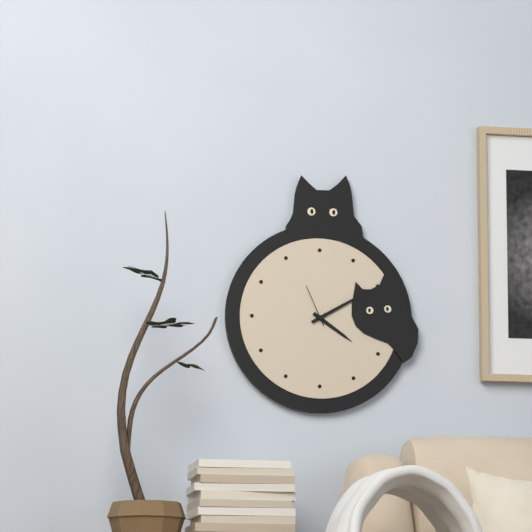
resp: 4h10
